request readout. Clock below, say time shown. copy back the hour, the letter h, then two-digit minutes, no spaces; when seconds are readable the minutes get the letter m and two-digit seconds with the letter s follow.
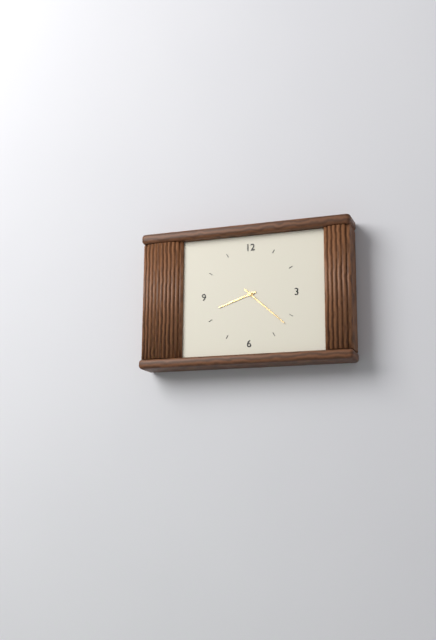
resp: 8h22
